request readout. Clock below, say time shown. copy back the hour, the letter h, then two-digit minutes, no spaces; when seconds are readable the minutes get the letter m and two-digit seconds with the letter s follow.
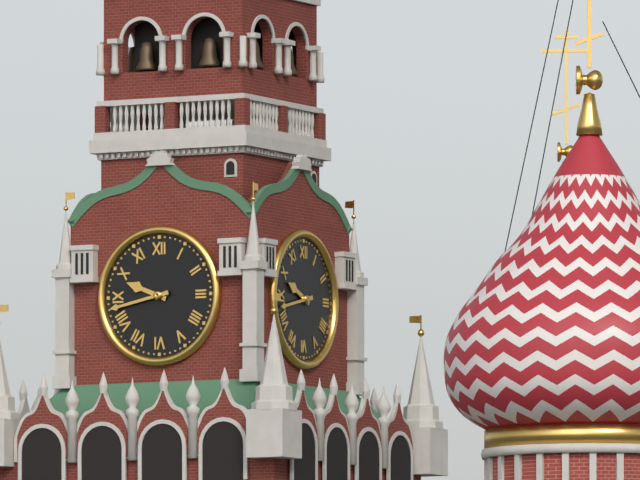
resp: 9h43
